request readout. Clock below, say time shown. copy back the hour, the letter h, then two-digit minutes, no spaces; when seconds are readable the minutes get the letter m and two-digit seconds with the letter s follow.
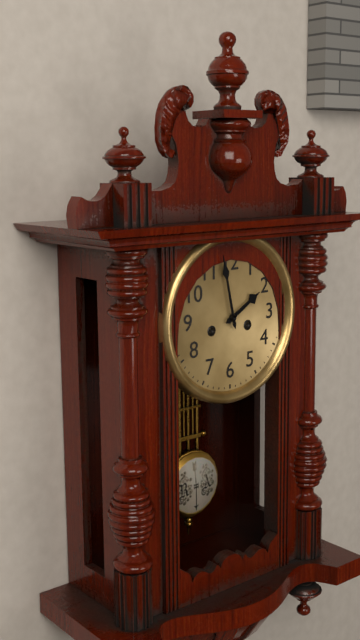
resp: 1h58
